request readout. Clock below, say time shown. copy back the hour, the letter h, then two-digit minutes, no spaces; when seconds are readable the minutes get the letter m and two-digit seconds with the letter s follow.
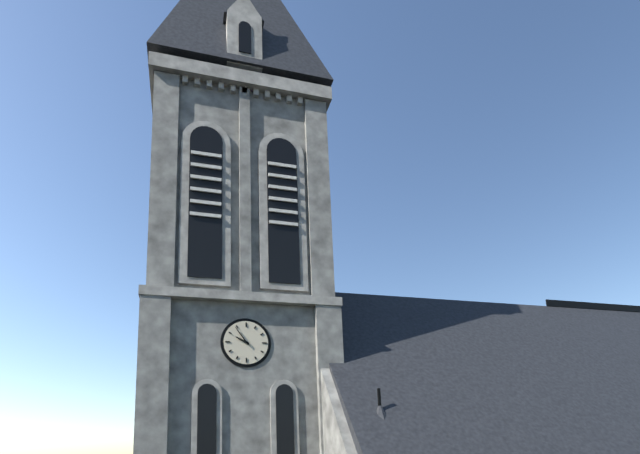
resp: 9h54
